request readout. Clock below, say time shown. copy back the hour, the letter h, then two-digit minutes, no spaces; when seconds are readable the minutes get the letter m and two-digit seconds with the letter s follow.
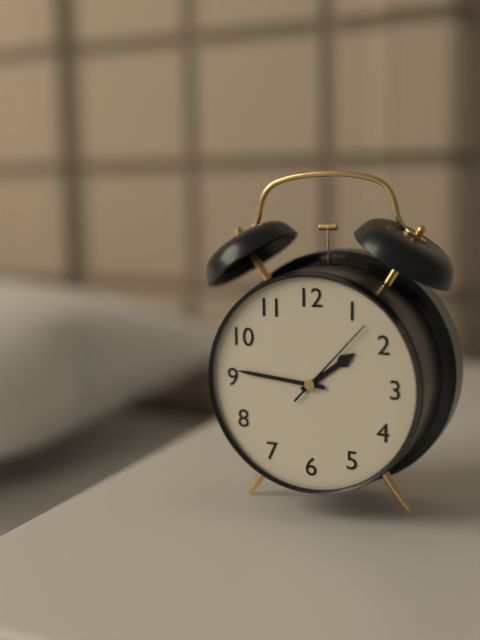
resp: 1h46m07s
